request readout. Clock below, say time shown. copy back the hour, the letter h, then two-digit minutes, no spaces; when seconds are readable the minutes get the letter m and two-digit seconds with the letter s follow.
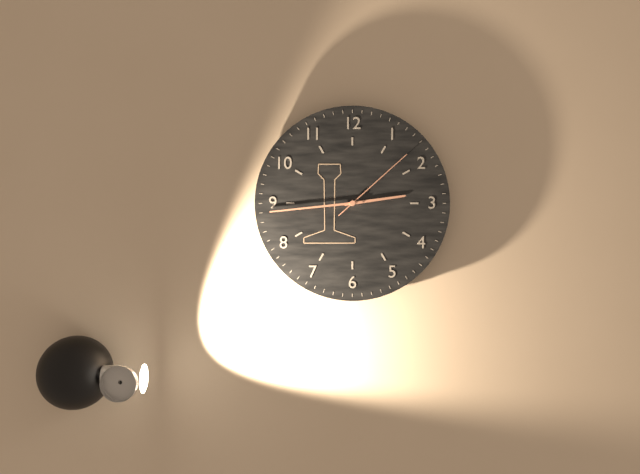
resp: 2h44m08s
